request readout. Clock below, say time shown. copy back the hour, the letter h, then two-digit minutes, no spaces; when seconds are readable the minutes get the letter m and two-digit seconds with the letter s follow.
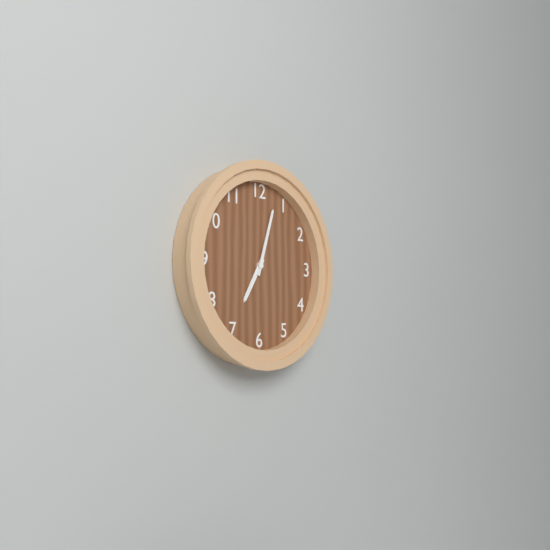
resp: 7h03
